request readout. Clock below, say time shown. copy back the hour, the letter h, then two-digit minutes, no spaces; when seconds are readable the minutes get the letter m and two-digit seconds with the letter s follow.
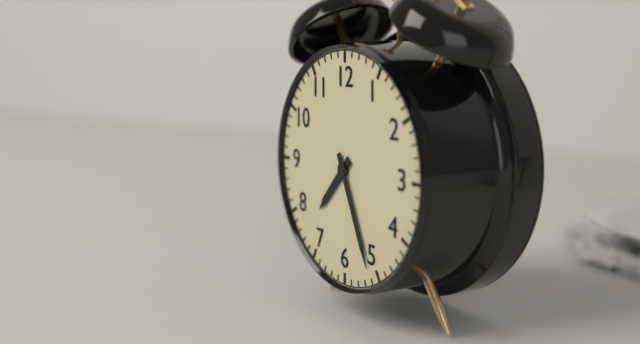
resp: 7h26
